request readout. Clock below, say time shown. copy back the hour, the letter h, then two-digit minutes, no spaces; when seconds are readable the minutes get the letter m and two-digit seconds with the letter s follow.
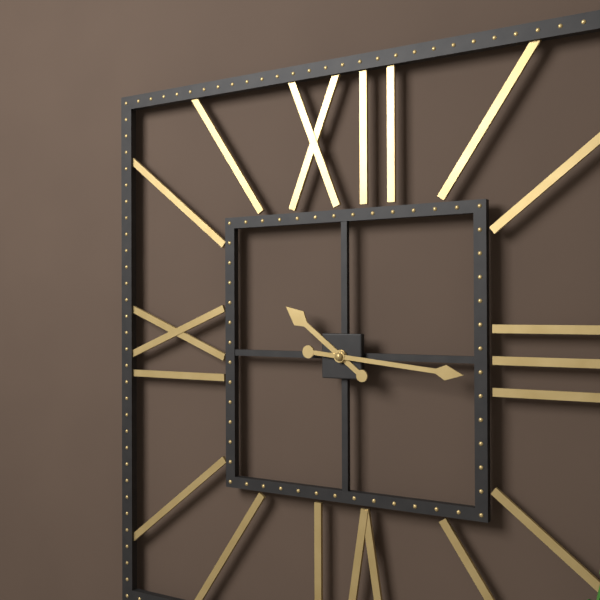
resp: 10h16
